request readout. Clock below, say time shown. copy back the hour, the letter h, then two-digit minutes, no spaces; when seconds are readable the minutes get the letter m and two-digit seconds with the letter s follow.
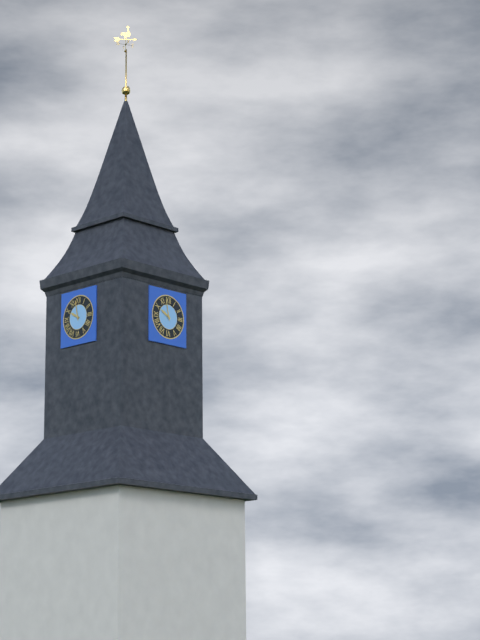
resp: 9h58
